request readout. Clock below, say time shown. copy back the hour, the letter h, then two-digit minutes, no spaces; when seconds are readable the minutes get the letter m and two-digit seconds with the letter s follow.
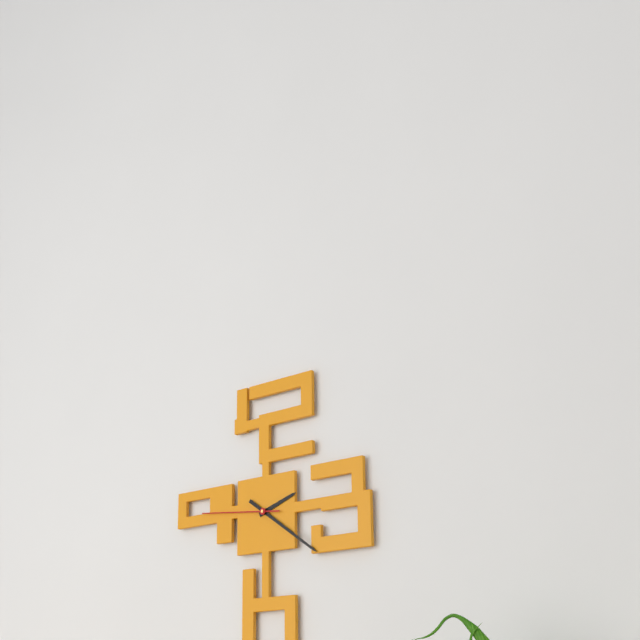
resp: 2h21m46s
